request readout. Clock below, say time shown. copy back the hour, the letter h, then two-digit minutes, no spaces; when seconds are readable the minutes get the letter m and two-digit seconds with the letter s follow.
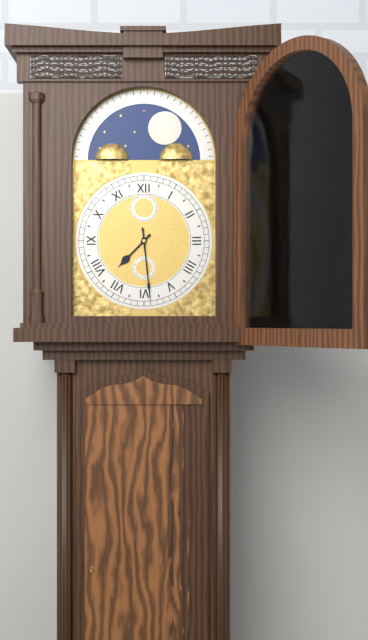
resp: 7h29
